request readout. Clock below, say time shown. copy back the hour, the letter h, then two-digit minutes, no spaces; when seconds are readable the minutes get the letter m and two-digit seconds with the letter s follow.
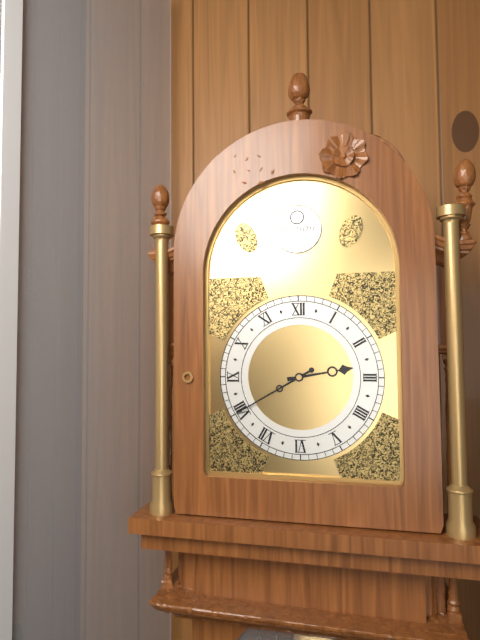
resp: 2h40
